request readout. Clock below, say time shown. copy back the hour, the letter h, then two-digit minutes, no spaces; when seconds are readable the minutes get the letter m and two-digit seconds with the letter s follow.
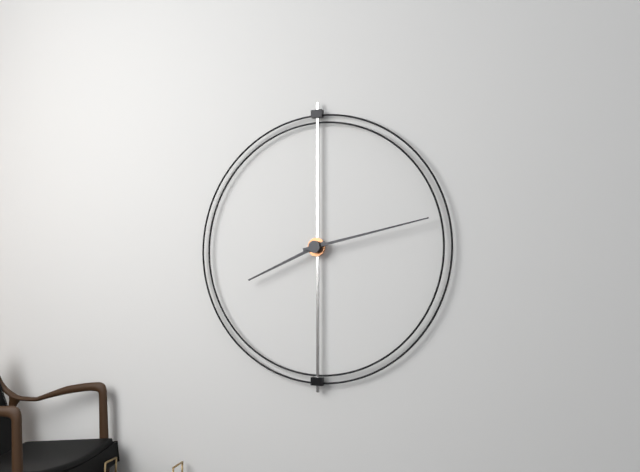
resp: 8h13
